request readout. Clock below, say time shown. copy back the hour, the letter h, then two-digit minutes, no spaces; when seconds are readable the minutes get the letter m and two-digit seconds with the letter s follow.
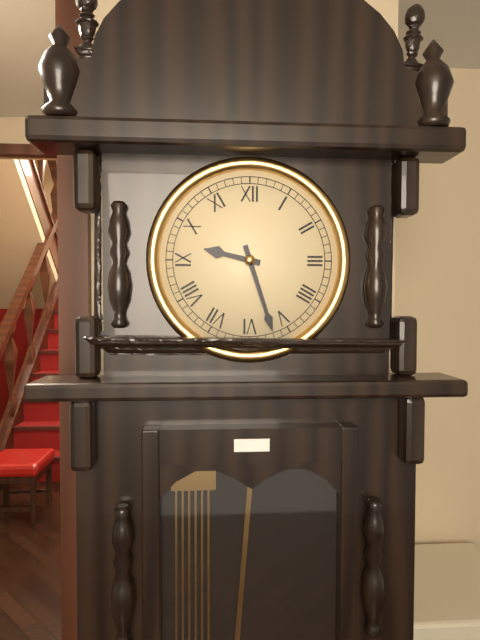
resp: 9h27
